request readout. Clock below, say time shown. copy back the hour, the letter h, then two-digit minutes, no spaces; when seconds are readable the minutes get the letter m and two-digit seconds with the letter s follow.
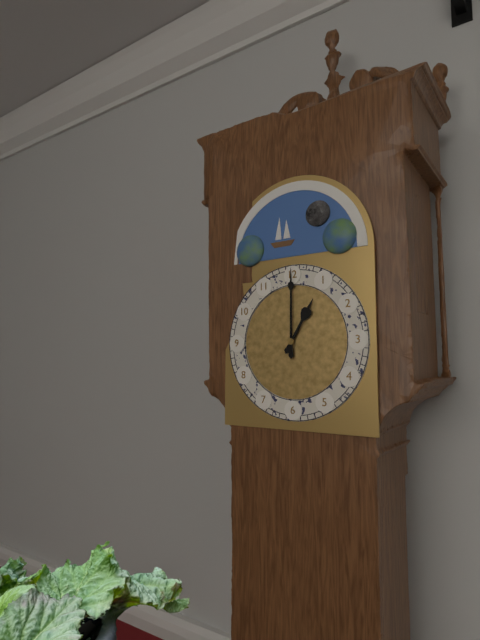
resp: 1h00
